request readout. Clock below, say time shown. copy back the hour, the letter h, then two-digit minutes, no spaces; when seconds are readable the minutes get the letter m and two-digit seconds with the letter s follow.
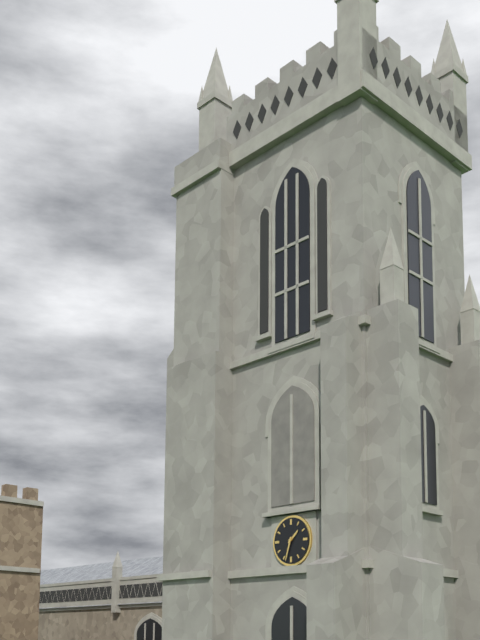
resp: 1h33
